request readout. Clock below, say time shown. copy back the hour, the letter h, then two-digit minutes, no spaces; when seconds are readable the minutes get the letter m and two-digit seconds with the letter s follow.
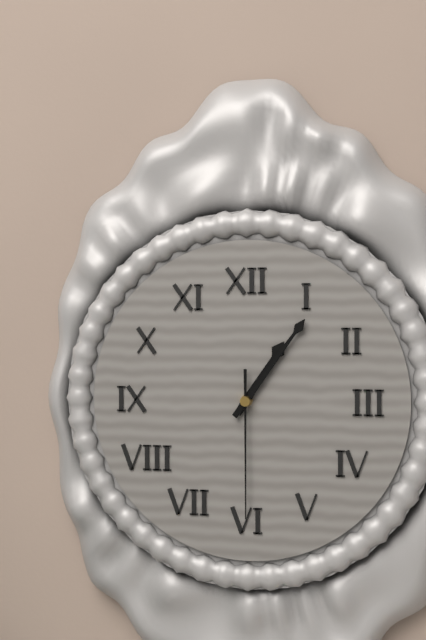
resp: 1h06m30s
